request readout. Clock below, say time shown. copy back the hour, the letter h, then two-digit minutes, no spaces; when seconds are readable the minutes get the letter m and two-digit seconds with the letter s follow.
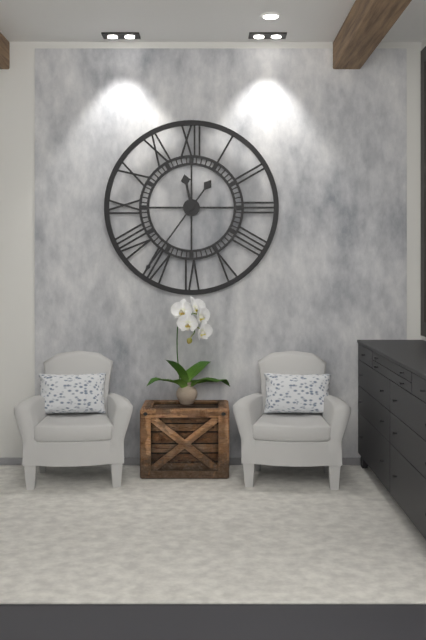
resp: 11h36
